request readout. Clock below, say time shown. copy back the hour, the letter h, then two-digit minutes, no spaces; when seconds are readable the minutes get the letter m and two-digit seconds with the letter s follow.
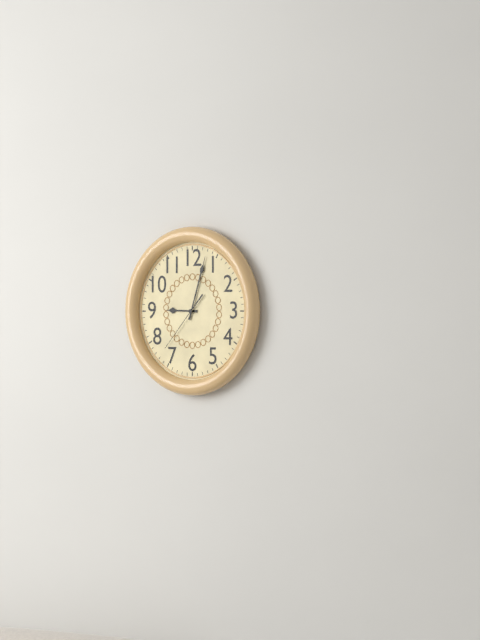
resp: 9h03m37s
